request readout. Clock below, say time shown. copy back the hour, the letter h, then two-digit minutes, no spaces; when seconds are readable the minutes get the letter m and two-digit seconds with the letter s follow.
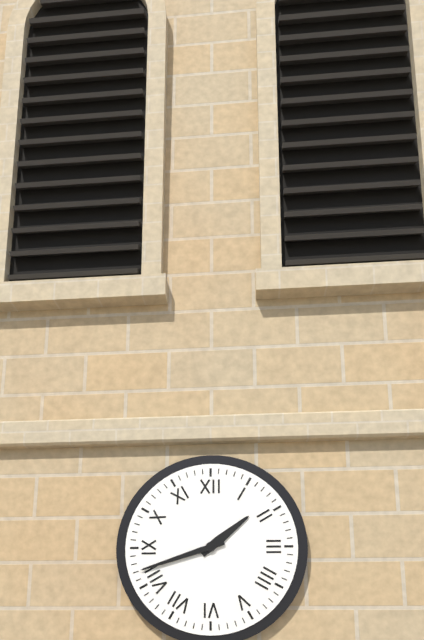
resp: 1h42
